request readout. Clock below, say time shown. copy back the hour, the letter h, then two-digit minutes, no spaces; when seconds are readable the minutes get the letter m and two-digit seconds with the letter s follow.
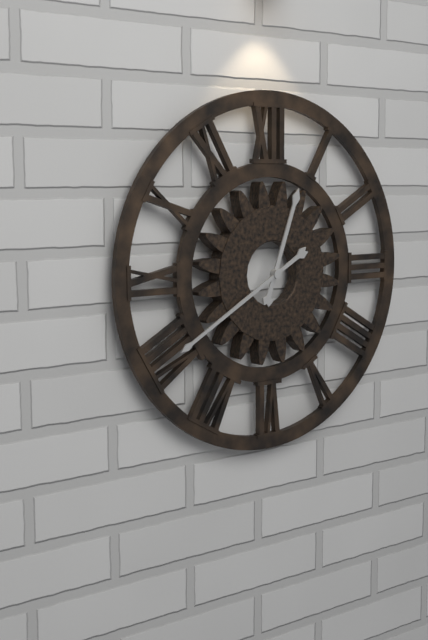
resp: 12h40
